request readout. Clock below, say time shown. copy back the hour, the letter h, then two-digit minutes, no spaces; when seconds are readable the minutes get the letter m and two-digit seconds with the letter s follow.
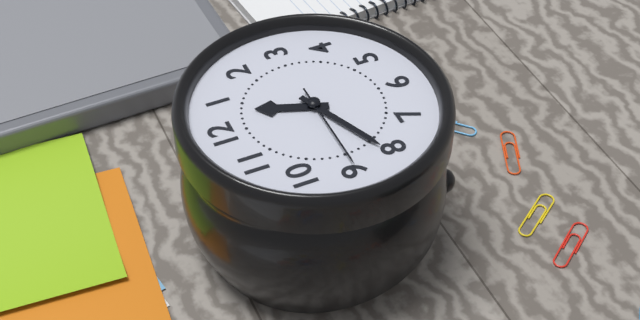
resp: 12h41m45s
